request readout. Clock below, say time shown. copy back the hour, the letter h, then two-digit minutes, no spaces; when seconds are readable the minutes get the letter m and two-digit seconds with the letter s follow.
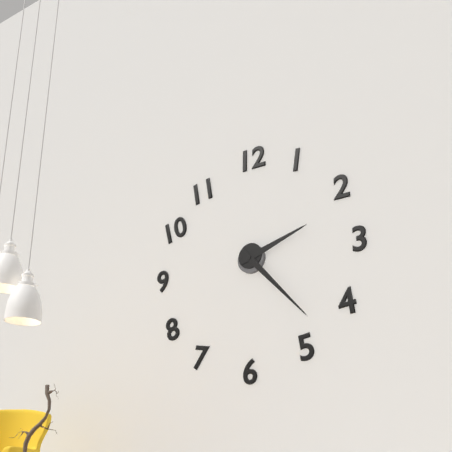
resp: 2h23
